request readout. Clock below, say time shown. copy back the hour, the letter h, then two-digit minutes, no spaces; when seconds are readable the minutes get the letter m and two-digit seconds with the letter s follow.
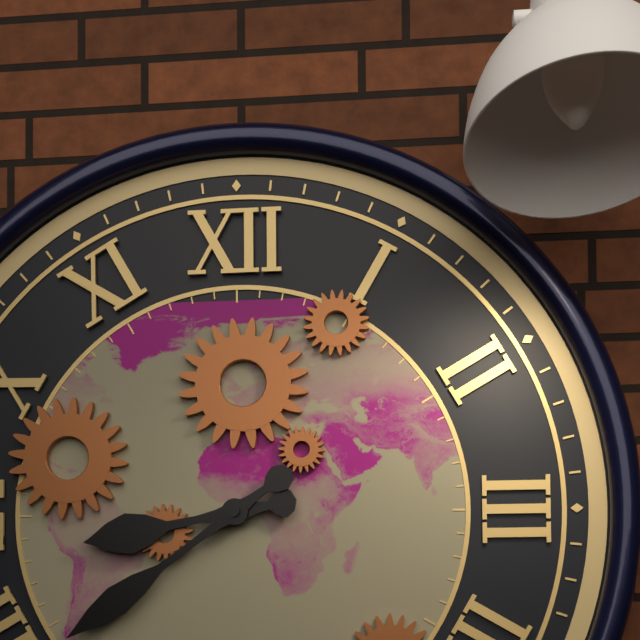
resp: 8h39
